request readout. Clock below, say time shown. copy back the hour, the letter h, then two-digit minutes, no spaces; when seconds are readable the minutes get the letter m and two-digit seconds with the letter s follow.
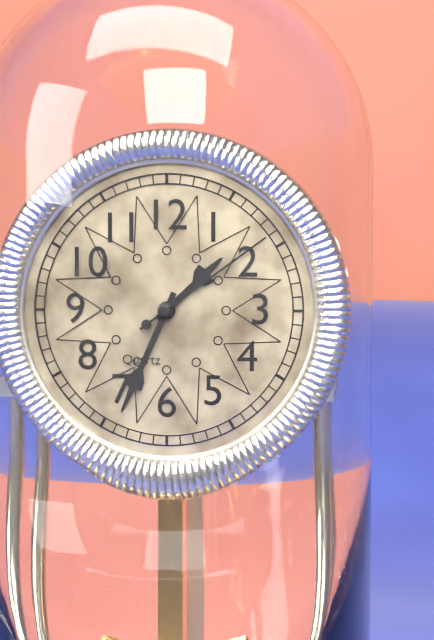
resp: 1h34m09s
